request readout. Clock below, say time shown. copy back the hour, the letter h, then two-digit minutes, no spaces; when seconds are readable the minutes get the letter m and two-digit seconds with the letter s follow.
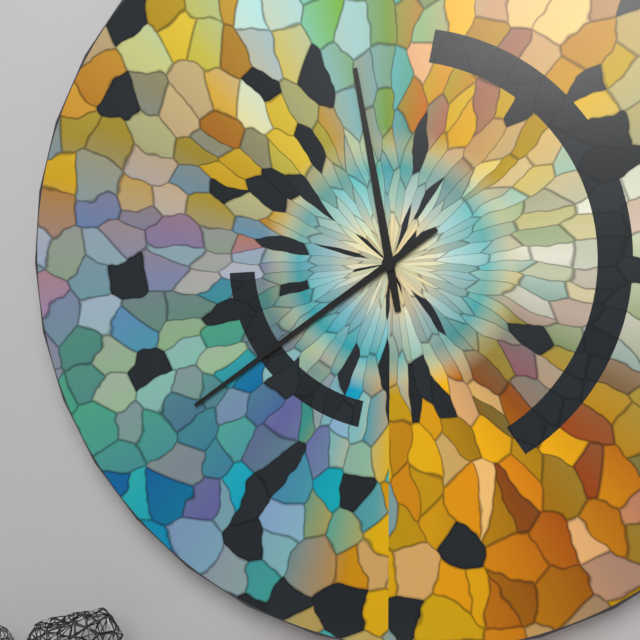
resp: 11h39
